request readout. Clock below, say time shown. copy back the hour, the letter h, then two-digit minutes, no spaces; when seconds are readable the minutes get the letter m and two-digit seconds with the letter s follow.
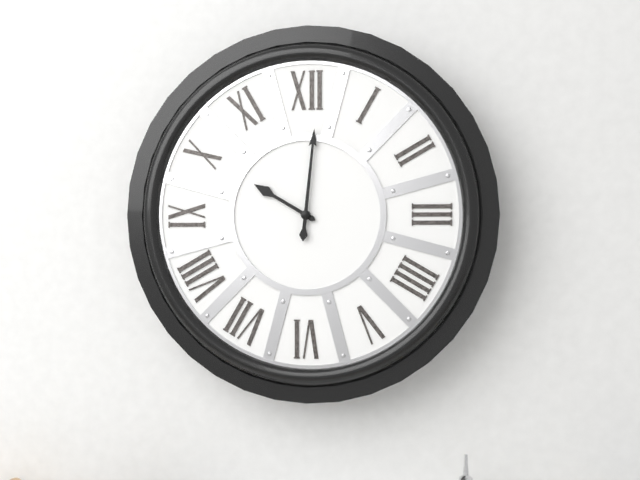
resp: 10h01
